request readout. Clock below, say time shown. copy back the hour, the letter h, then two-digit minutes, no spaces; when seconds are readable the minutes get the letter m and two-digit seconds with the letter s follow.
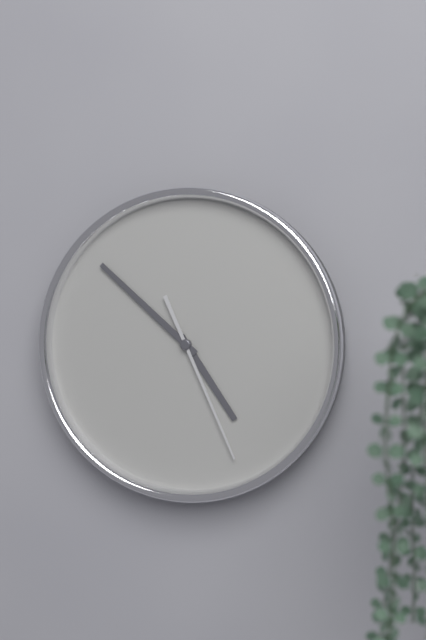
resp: 4h52m26s
